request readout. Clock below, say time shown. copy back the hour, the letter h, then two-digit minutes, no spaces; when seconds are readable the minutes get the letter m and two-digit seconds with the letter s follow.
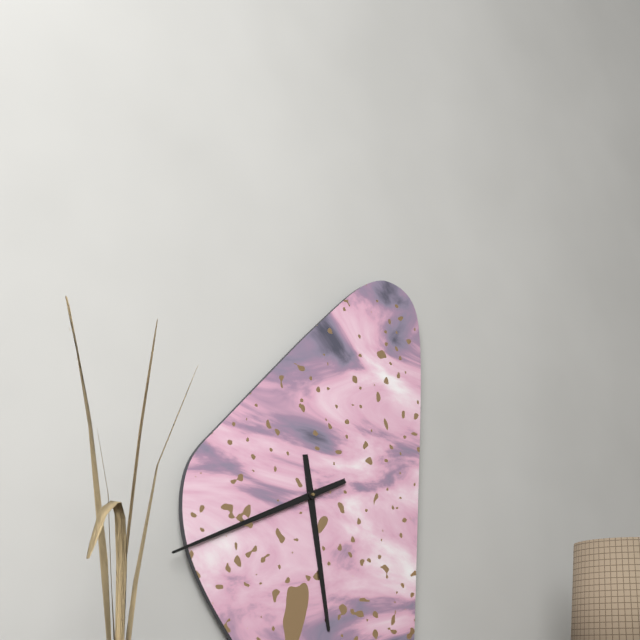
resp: 5h41
